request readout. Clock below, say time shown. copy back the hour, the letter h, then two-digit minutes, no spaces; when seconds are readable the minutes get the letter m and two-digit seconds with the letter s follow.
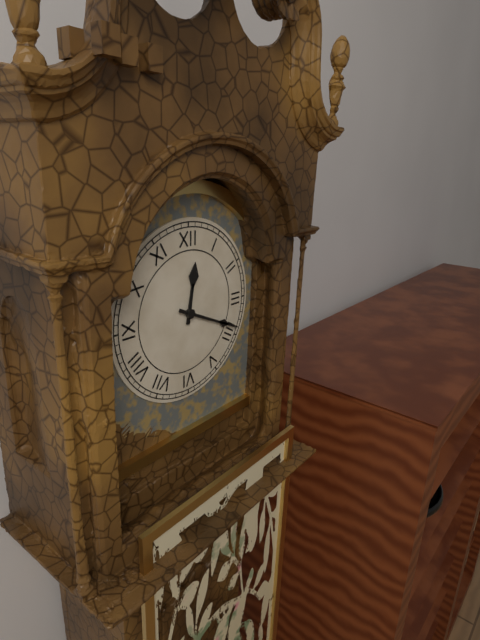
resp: 12h19
